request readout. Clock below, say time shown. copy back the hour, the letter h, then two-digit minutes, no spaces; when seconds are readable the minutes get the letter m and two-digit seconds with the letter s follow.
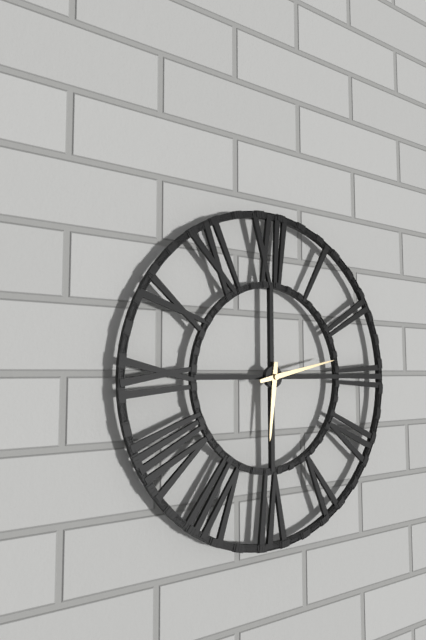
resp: 6h13
